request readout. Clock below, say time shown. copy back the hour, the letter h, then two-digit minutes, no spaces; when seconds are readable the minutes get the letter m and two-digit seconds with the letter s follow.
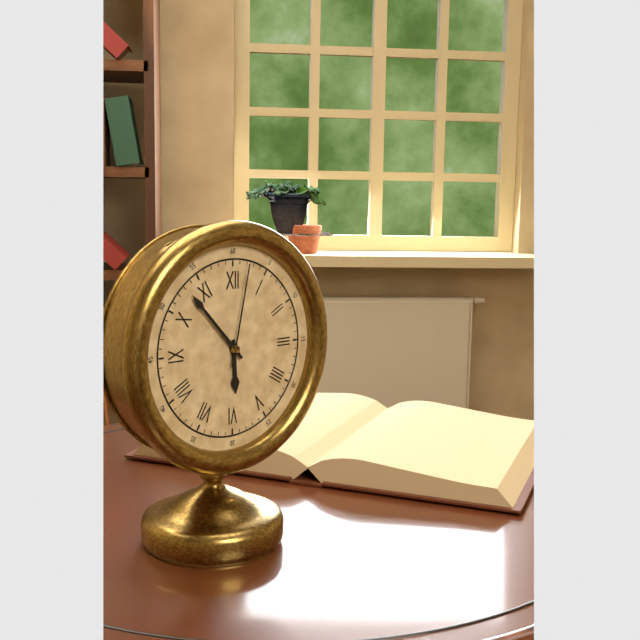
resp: 5h53m02s
